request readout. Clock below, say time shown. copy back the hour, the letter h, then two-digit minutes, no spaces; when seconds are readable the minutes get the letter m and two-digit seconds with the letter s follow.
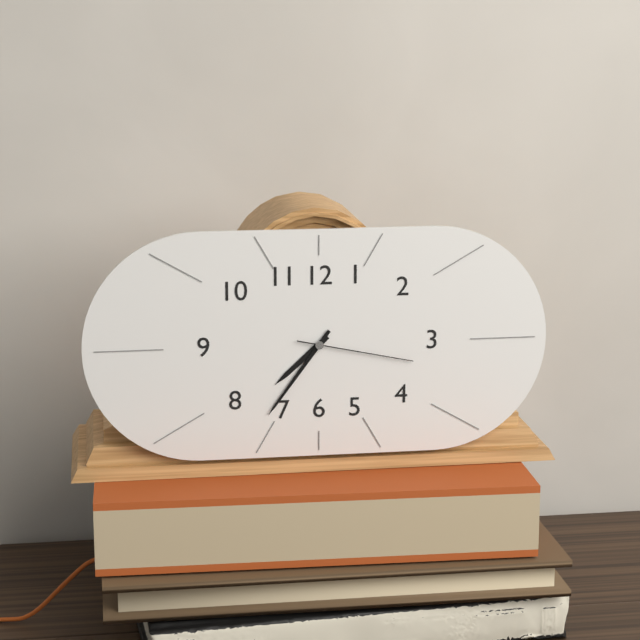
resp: 7h36m17s
